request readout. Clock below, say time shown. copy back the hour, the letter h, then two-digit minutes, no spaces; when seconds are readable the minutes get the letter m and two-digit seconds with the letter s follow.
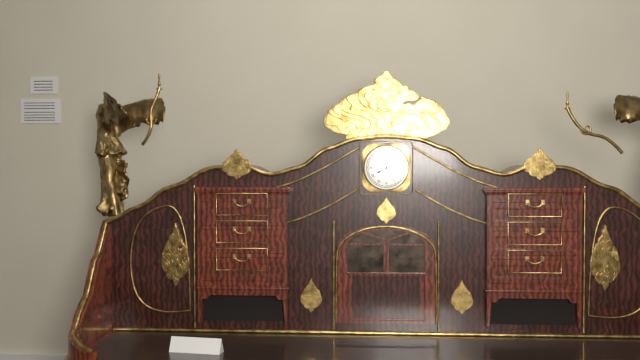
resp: 7h59
